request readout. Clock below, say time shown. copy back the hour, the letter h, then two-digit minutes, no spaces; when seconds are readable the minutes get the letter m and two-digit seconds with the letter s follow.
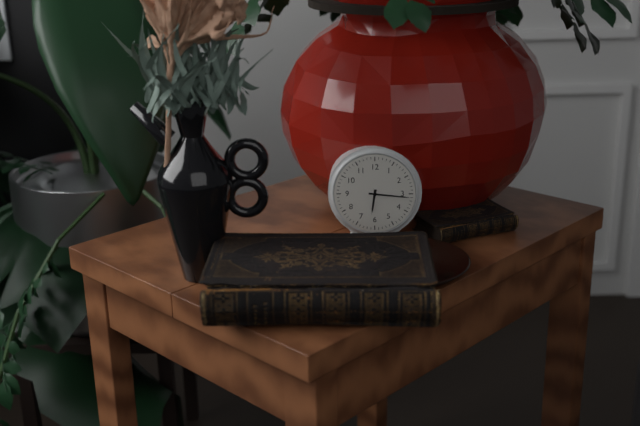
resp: 6h16
